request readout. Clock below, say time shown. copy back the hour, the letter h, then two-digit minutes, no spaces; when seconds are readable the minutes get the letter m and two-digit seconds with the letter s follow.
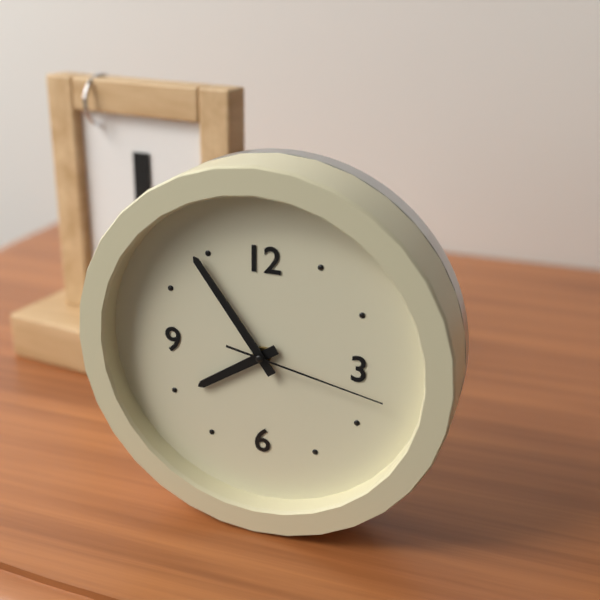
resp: 7h54m17s
